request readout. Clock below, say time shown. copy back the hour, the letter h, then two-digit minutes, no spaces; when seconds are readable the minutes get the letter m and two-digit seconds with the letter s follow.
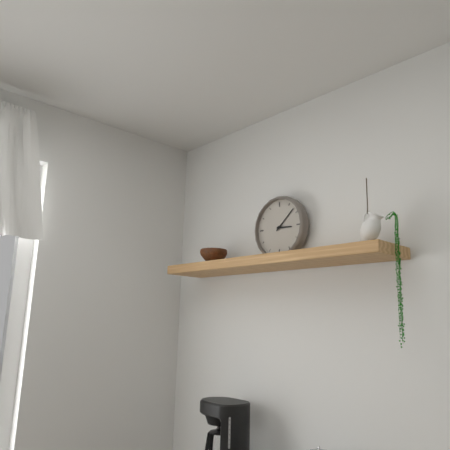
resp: 3h08
